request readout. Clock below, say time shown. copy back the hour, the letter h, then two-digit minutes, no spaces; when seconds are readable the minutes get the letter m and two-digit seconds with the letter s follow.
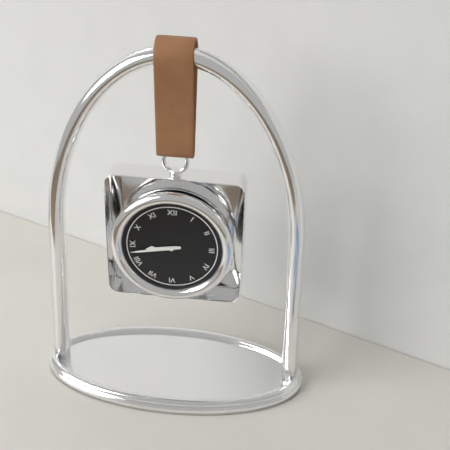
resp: 8h43
